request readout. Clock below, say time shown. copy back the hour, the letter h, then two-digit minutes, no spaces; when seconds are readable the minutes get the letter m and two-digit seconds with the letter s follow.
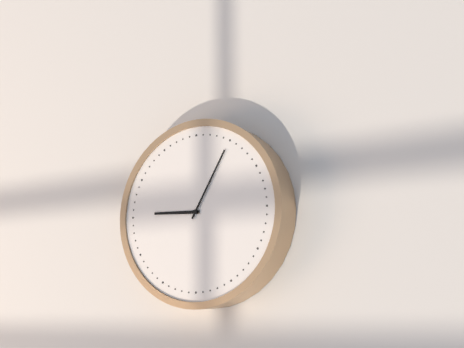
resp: 9h05
